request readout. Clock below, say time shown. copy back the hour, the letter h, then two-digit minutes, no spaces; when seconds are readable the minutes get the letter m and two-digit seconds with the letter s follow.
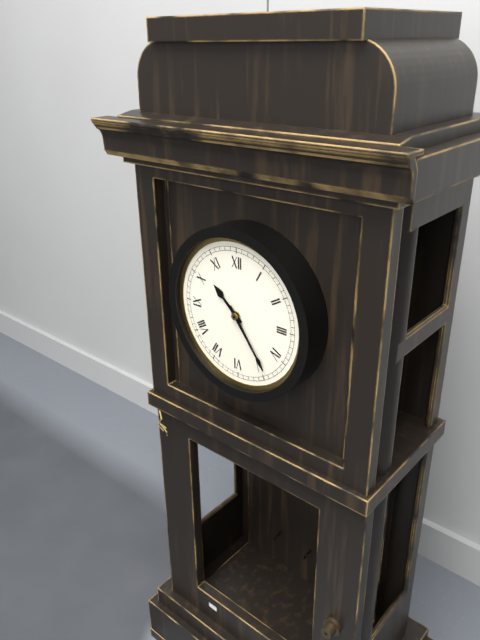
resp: 10h24
